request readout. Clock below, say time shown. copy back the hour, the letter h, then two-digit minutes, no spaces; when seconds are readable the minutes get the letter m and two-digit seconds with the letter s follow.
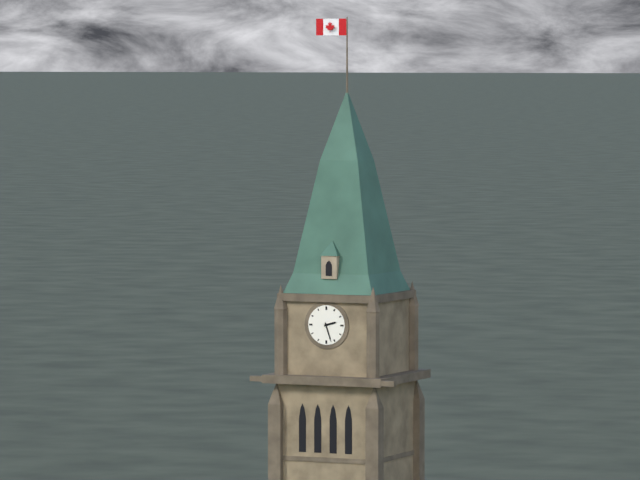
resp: 2h27
